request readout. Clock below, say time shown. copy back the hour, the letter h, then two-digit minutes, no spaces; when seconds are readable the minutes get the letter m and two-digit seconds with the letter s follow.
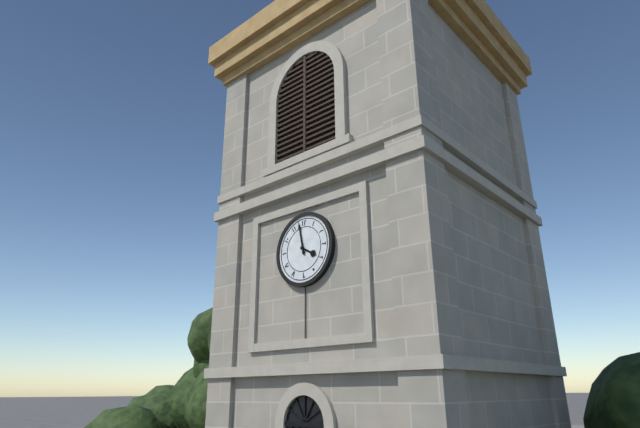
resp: 3h58
